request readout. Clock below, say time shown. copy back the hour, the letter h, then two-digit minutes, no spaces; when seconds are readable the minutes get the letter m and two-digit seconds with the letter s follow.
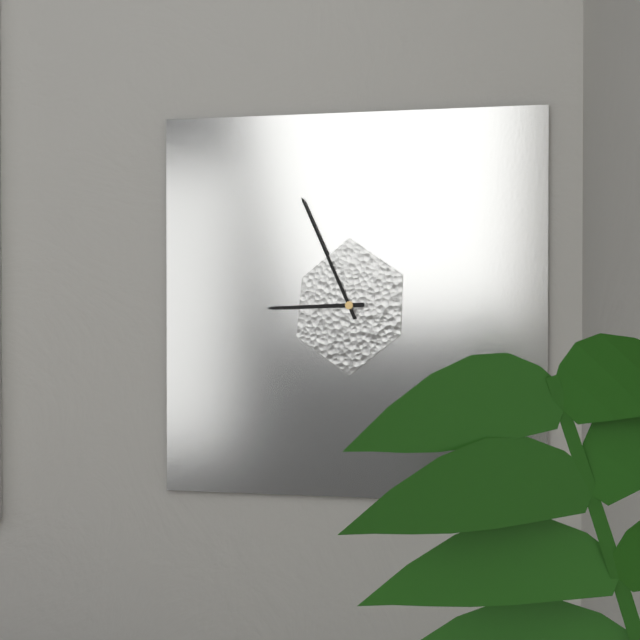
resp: 8h56
